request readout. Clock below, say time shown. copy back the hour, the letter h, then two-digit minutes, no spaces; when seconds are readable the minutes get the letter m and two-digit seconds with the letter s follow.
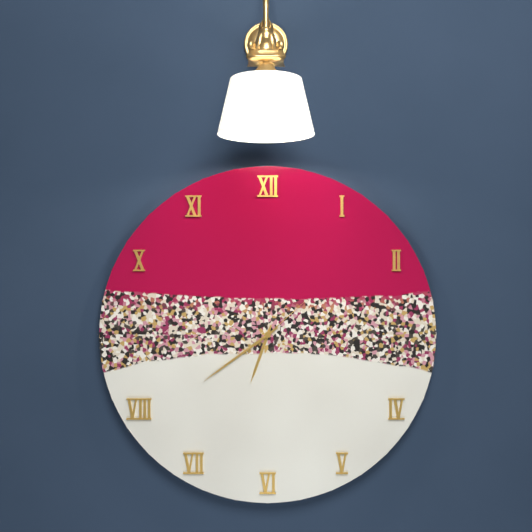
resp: 6h39m08s
